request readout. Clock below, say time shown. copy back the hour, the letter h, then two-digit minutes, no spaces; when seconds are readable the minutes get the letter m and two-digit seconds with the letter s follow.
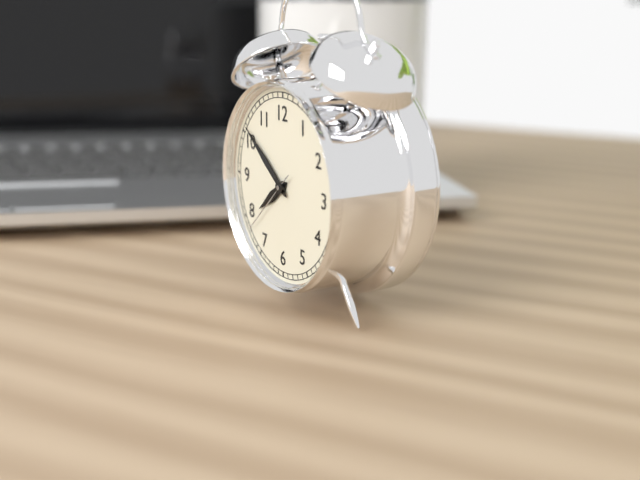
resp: 7h51m38s
